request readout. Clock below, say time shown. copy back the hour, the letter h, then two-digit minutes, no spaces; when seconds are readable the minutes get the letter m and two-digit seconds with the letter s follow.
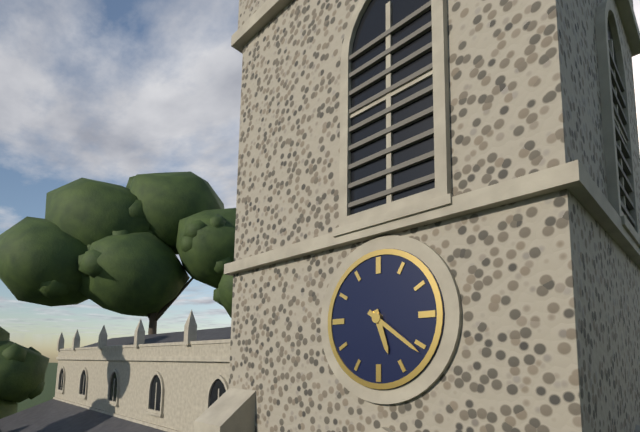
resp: 5h21
